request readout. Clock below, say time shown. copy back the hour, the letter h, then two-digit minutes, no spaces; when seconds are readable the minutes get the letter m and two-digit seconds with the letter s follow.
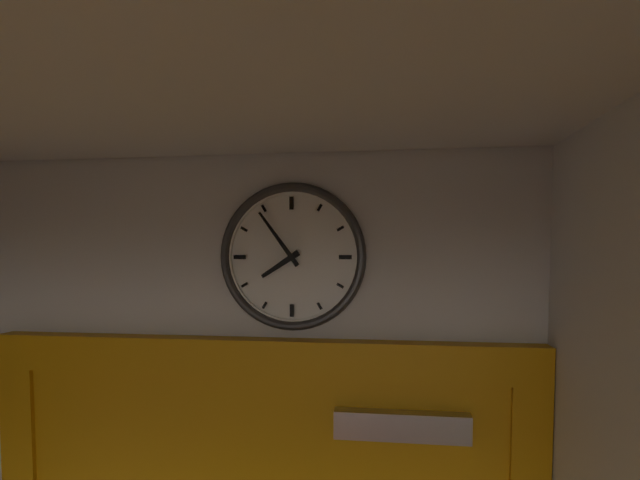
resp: 7h54
